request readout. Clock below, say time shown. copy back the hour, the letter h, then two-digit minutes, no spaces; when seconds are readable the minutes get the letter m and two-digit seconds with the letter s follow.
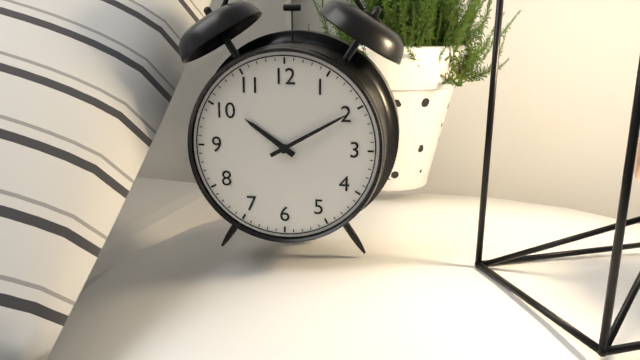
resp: 10h10
